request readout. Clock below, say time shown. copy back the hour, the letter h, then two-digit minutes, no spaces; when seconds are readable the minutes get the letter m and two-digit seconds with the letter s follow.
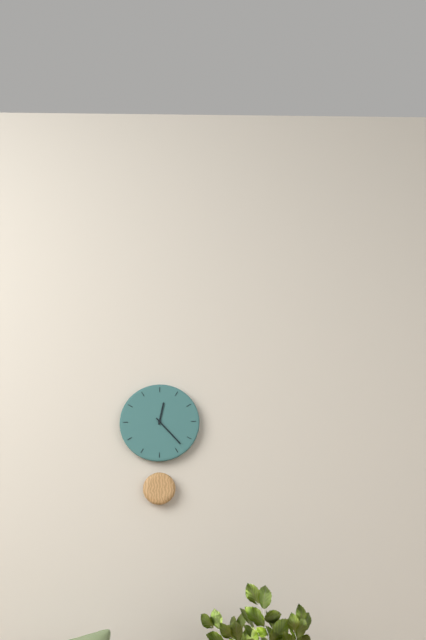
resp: 12h23
